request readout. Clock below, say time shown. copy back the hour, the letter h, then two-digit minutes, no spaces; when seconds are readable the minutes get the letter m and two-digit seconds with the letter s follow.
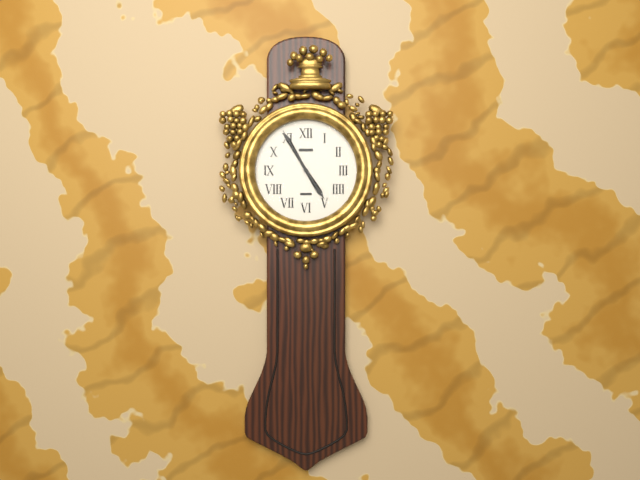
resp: 4h55
